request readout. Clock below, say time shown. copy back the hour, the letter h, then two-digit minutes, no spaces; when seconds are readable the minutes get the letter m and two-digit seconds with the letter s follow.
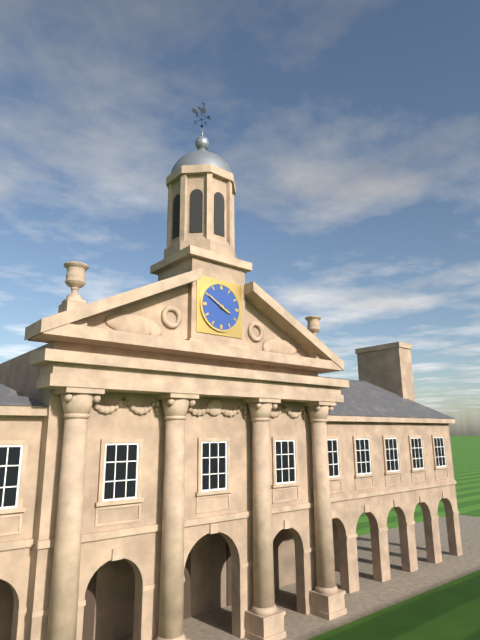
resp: 3h50
